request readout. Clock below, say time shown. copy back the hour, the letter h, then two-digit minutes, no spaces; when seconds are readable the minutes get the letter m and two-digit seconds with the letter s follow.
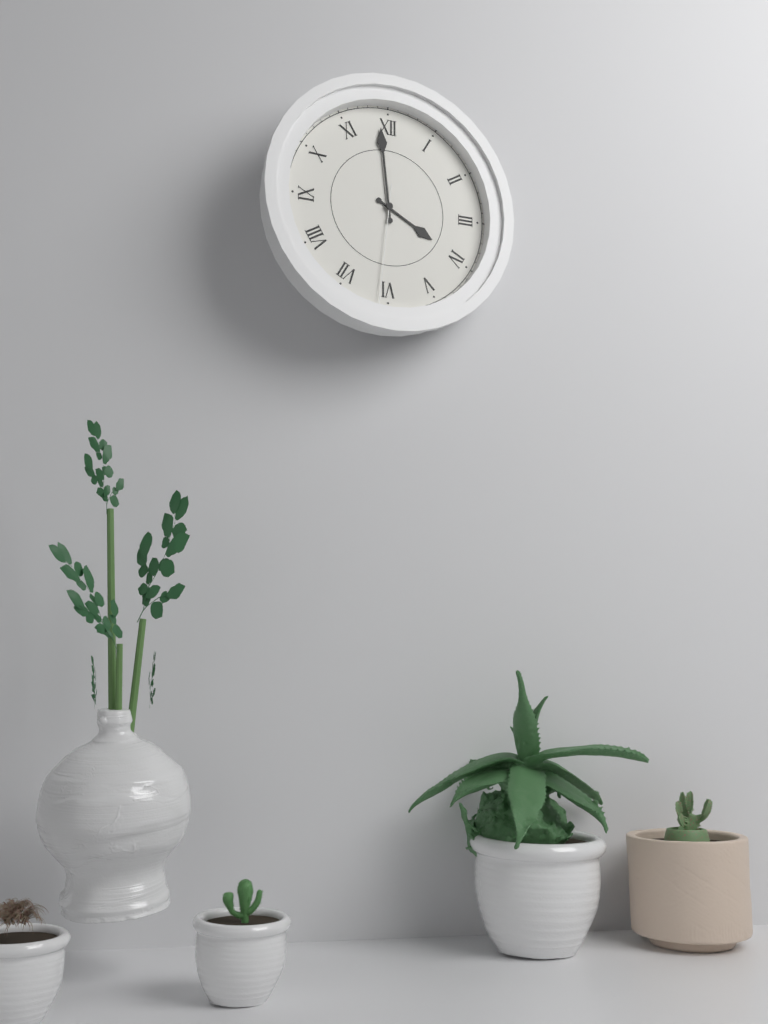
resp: 3h59m31s
